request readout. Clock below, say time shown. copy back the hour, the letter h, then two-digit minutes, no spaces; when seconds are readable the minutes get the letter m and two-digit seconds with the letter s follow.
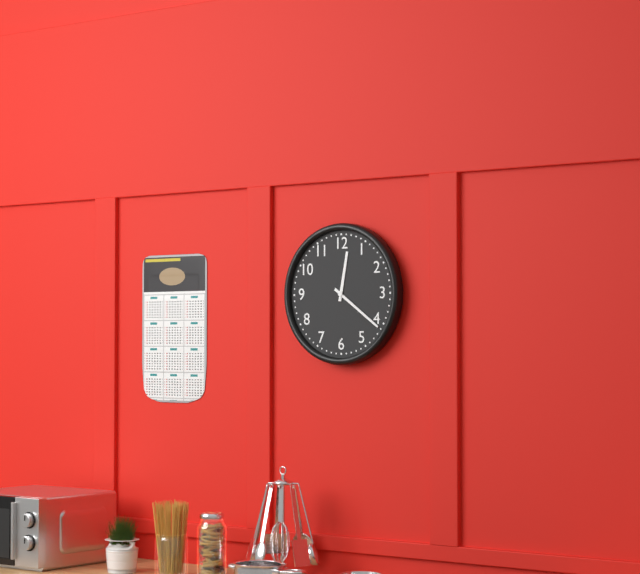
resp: 12h21
